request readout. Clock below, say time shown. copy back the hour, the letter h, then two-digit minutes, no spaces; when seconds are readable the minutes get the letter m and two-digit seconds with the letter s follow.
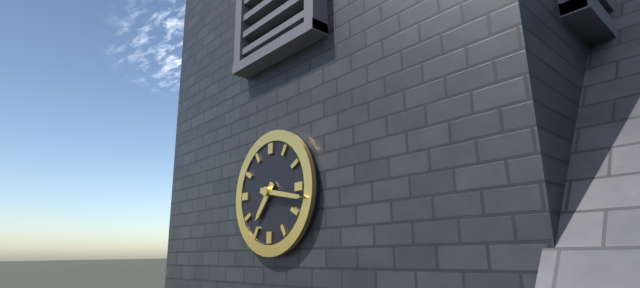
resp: 7h17
